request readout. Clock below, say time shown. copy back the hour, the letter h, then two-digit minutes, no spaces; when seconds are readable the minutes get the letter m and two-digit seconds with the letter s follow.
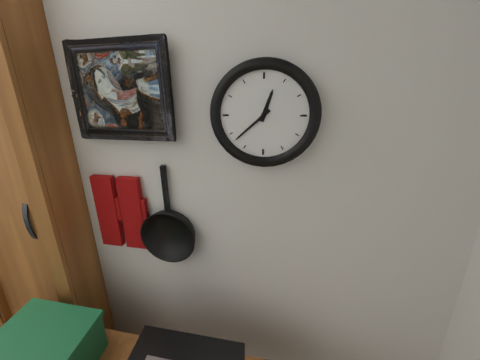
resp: 12h38
